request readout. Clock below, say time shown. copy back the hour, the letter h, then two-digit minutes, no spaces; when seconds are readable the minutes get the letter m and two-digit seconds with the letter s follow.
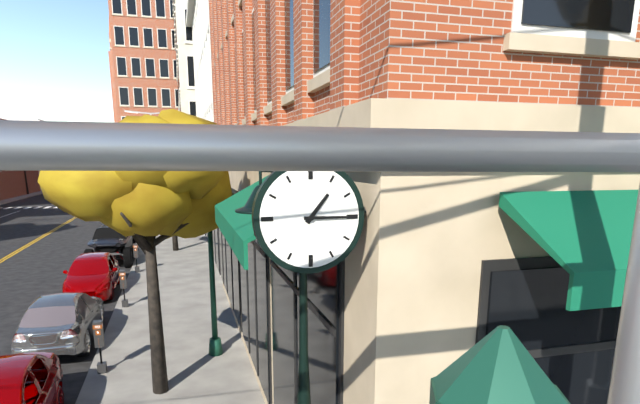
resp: 1h15
